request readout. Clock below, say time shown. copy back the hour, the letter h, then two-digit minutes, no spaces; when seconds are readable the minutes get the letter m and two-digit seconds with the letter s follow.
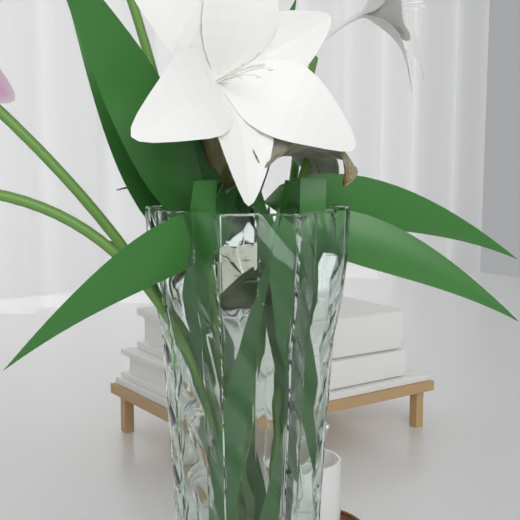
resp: 9h53
